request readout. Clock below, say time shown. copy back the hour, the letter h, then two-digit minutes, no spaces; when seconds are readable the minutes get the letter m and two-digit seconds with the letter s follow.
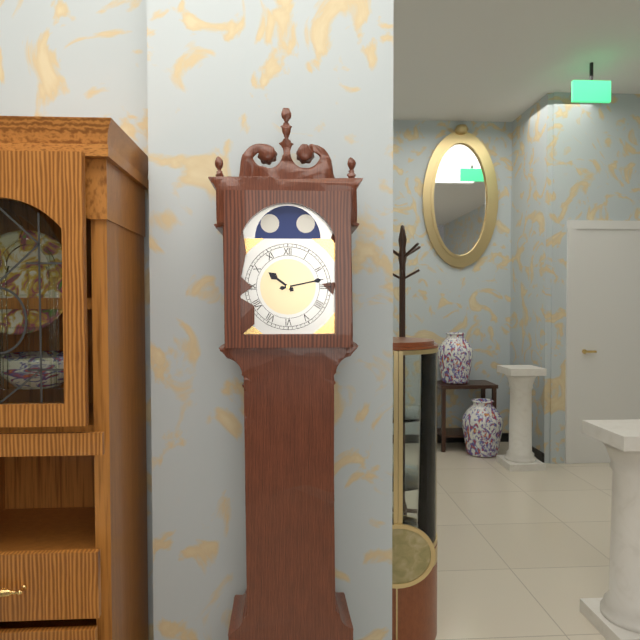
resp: 10h13
